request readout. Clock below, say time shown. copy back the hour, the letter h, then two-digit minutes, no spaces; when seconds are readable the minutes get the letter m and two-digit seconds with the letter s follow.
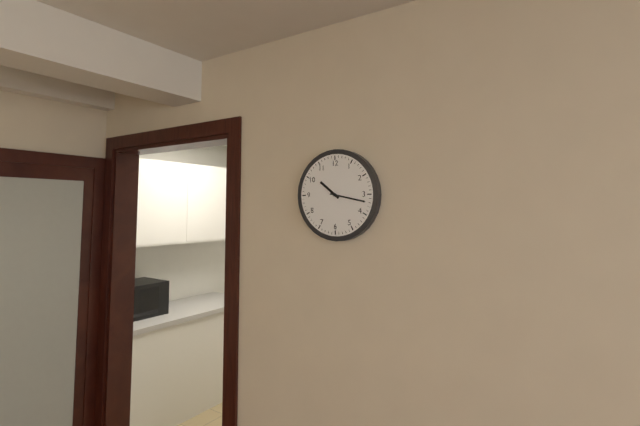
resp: 10h17
